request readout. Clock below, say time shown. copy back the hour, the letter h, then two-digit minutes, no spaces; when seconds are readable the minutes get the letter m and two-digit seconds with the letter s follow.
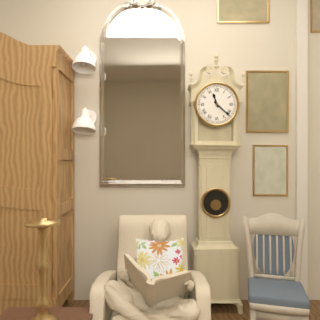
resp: 11h22
